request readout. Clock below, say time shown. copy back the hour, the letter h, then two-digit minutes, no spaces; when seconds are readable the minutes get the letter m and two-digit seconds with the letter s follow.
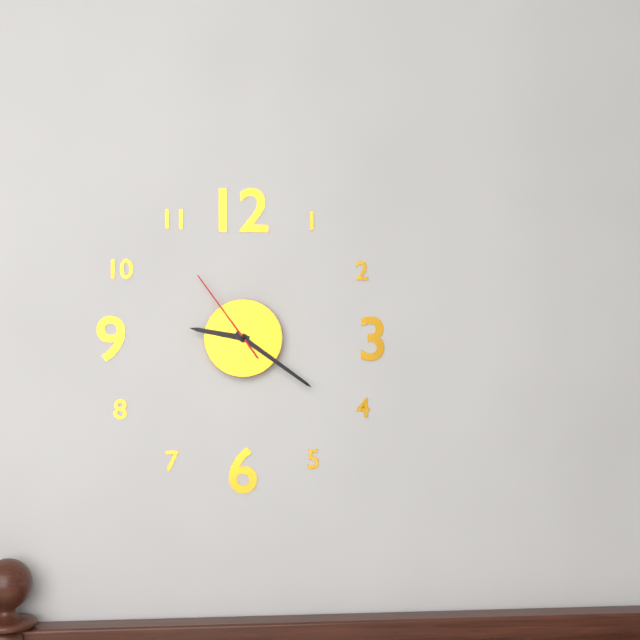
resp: 9h21m54s
